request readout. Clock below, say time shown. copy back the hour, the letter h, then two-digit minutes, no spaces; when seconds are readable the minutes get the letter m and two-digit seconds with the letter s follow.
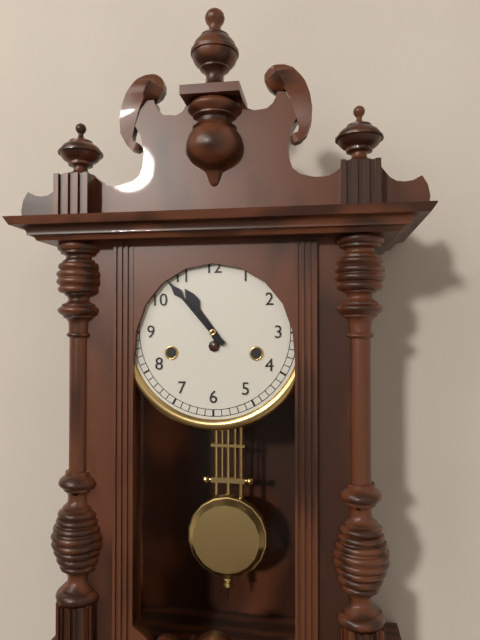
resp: 10h53
